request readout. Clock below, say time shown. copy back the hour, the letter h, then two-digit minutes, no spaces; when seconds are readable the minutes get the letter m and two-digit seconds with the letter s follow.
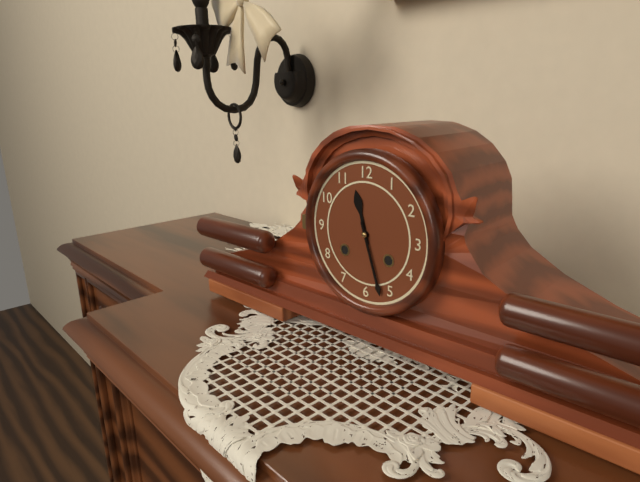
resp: 11h27
